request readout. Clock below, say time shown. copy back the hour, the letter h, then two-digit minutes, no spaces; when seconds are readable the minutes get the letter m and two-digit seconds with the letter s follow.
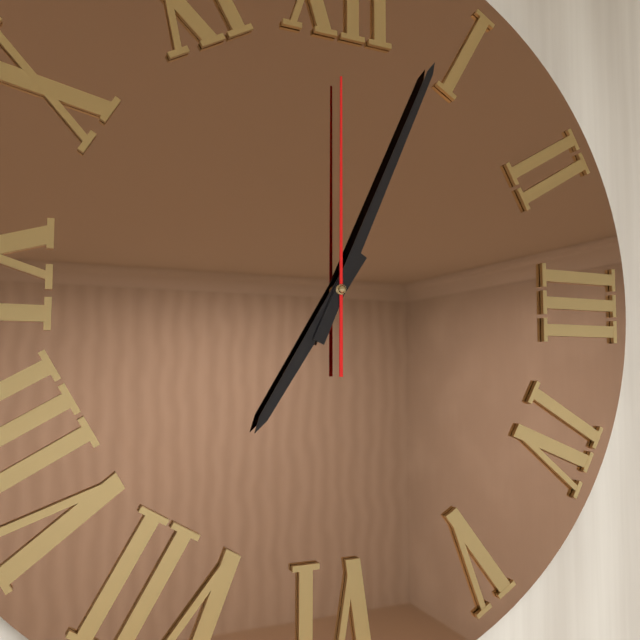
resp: 7h04m00s
